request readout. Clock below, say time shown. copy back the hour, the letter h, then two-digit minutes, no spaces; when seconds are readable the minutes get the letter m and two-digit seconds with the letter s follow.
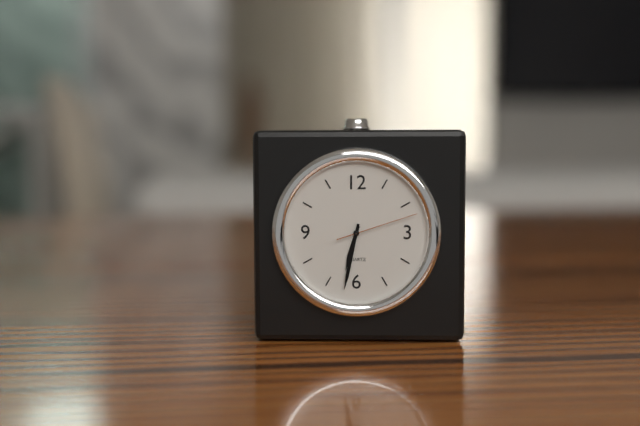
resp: 6h32m12s
